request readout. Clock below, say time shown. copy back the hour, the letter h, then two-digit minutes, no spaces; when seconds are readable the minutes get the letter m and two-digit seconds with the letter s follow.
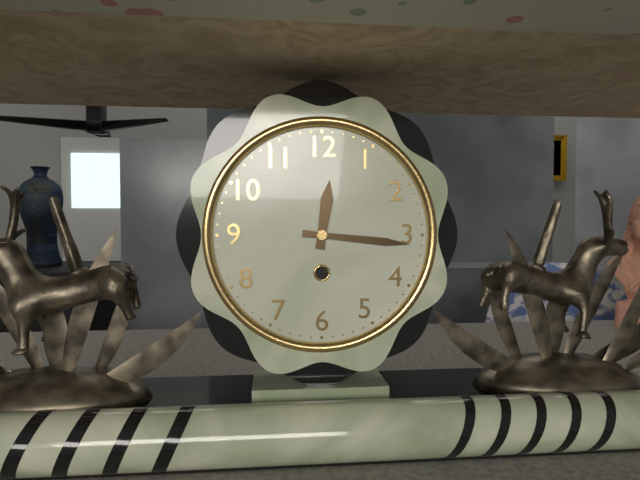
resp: 12h16
